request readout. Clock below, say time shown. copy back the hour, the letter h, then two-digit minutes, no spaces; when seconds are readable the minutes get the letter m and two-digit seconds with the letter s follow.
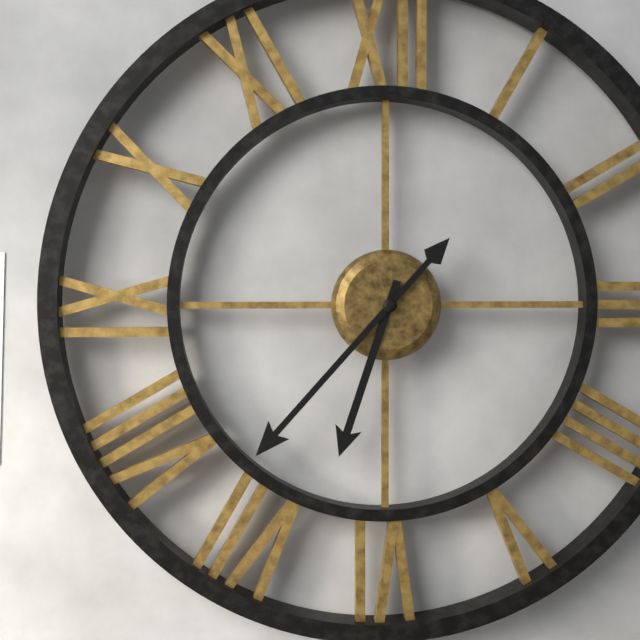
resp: 6h37
